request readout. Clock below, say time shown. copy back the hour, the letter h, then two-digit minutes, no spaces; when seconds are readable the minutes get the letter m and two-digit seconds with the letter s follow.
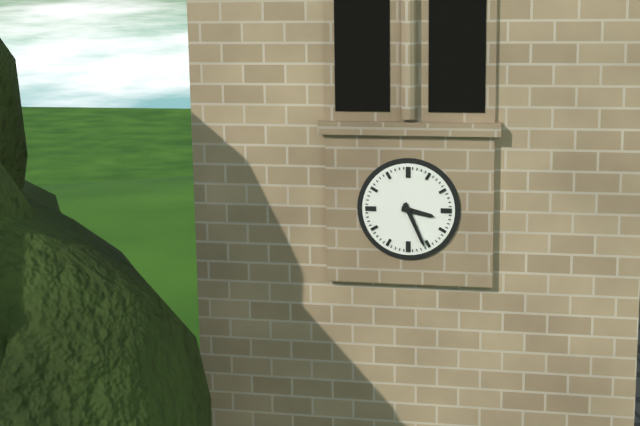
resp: 3h26
